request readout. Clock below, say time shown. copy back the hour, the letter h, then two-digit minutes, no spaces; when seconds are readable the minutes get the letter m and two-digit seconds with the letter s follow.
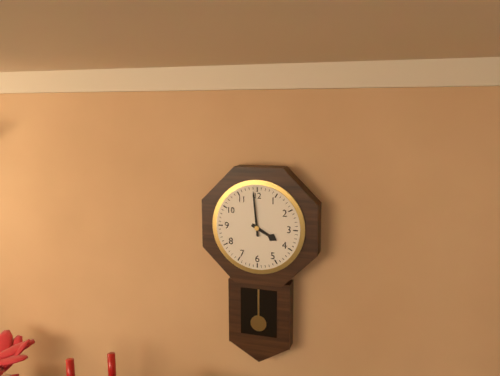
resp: 3h59
